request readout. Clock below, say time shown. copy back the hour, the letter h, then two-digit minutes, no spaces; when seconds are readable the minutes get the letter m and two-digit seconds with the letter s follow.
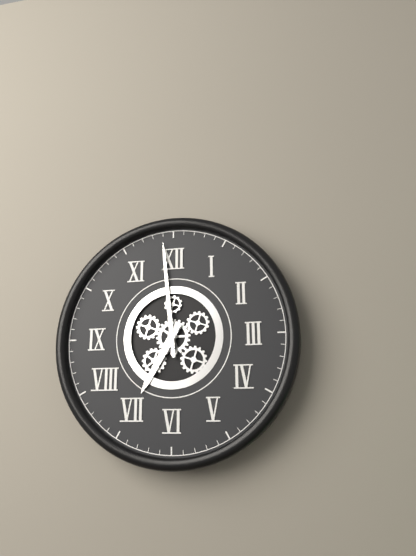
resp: 6h59
